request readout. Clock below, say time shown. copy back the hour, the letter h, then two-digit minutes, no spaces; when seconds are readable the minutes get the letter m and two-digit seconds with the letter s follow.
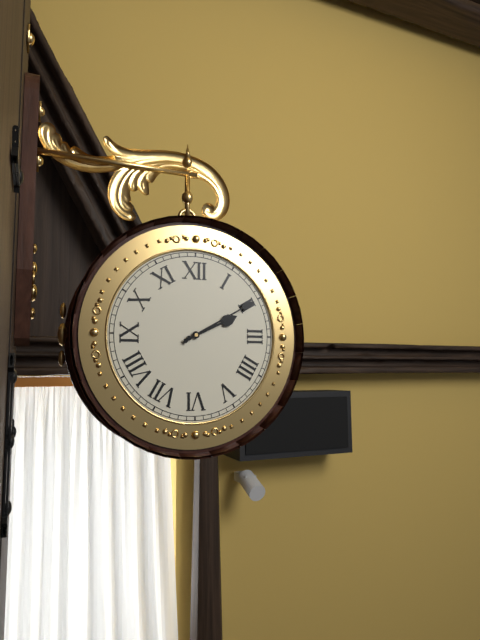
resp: 2h10
